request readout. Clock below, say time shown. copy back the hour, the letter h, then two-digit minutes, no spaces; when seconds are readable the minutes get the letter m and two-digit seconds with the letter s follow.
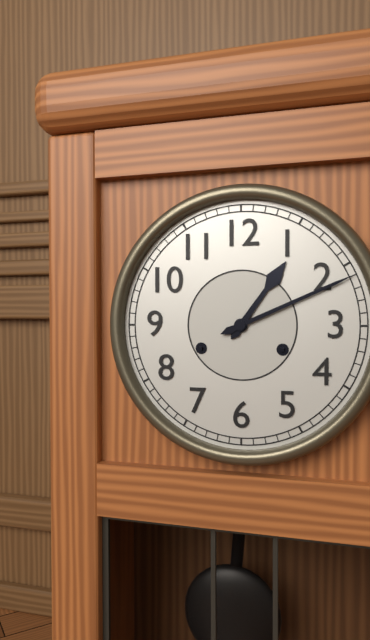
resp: 1h11
